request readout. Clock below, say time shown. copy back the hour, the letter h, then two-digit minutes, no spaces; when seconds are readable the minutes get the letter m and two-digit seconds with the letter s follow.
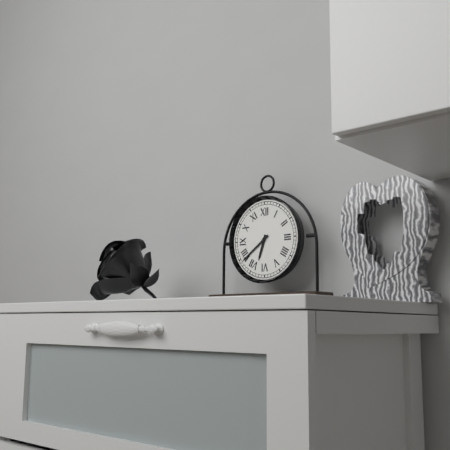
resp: 6h39
